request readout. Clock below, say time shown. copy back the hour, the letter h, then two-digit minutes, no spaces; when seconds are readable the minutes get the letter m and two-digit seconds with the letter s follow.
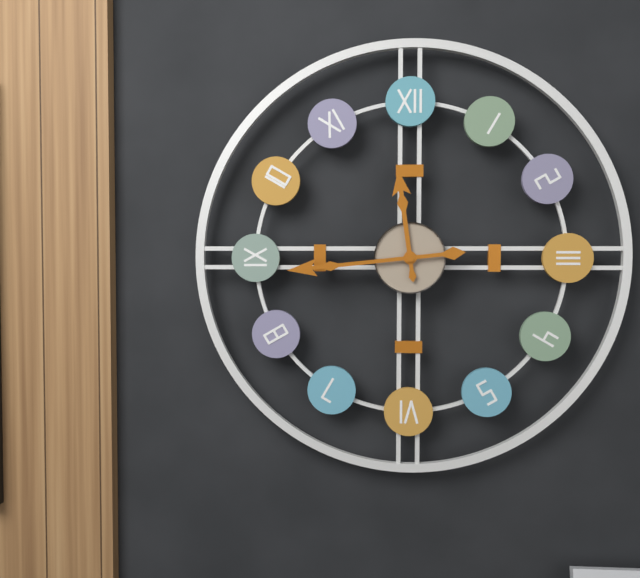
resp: 11h44
